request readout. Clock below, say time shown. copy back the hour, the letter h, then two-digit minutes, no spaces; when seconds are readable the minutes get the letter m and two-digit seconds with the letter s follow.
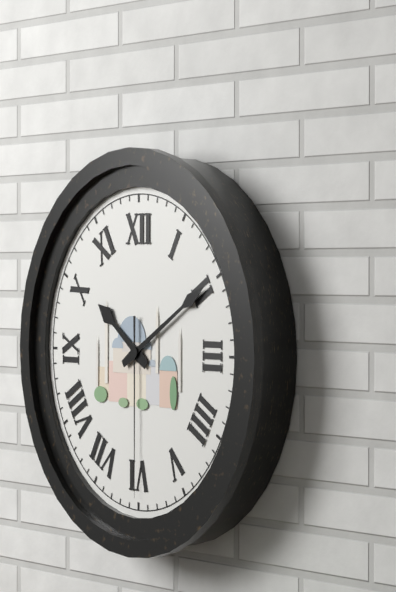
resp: 10h10m30s
